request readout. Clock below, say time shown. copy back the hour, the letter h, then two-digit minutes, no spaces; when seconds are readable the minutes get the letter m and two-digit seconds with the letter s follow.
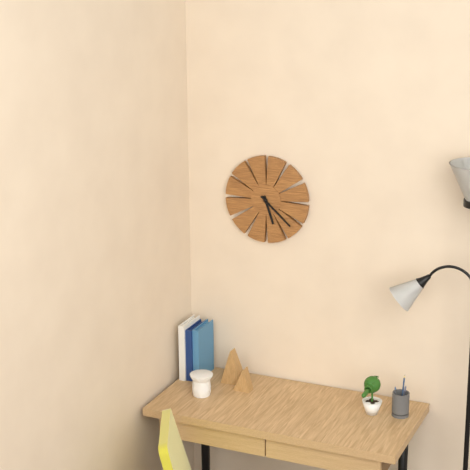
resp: 5h22
